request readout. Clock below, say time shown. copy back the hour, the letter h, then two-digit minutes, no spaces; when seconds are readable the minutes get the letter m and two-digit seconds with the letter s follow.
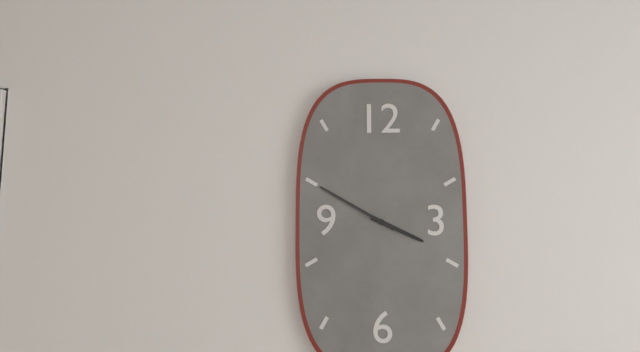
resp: 3h50
